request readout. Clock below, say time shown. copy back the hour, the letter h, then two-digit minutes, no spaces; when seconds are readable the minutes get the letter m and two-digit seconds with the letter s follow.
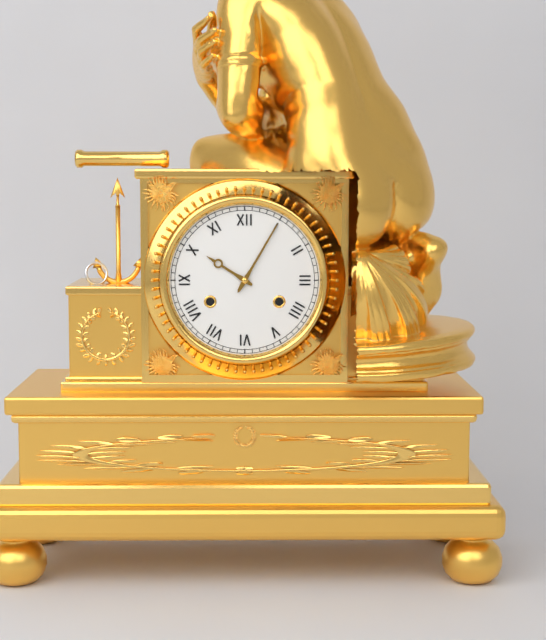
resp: 10h05
